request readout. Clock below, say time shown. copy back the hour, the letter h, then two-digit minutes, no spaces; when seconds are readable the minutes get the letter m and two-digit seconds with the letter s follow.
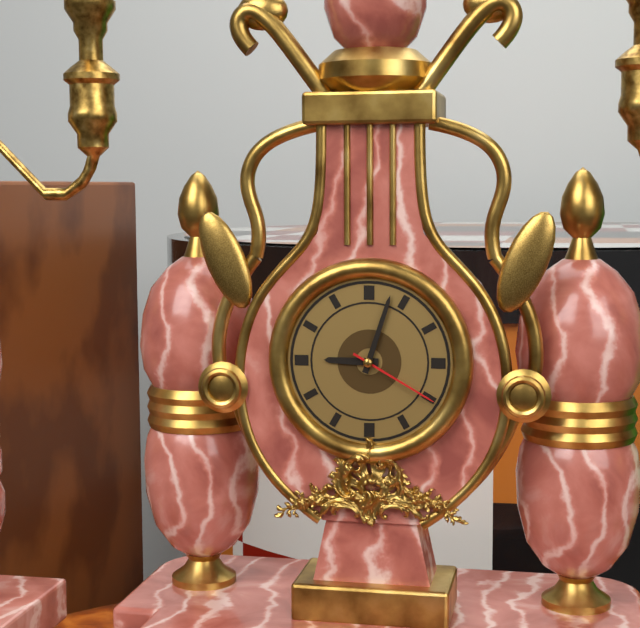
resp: 9h03m20s
